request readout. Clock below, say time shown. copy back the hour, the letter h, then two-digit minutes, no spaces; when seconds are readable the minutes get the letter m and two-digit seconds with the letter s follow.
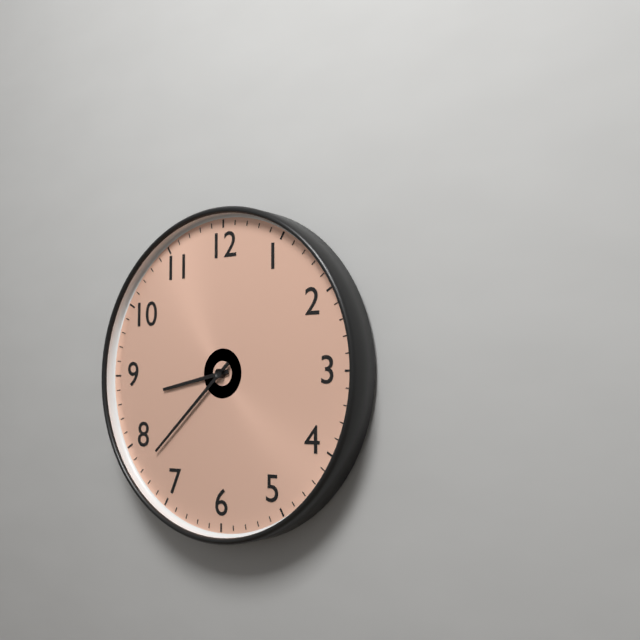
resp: 8h38
